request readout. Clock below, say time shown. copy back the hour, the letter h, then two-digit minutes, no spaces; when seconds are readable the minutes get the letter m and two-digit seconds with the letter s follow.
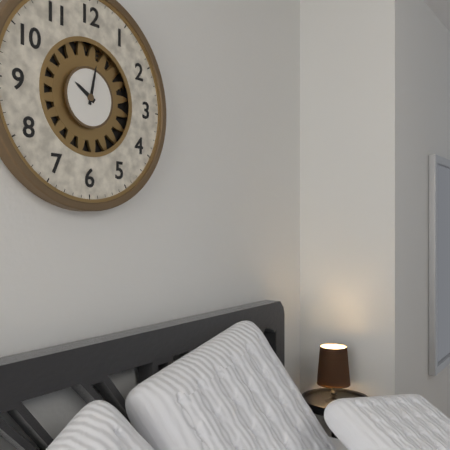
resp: 10h02
